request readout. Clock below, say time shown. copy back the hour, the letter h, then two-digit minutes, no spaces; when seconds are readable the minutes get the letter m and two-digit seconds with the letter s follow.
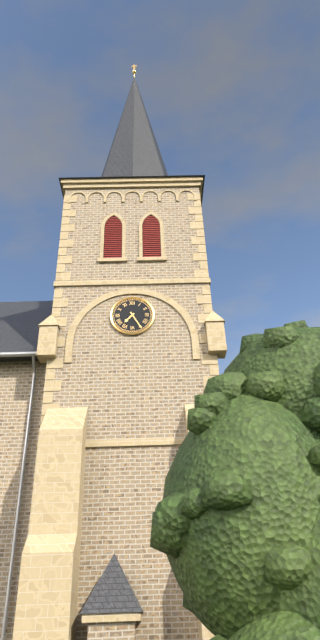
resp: 7h25
